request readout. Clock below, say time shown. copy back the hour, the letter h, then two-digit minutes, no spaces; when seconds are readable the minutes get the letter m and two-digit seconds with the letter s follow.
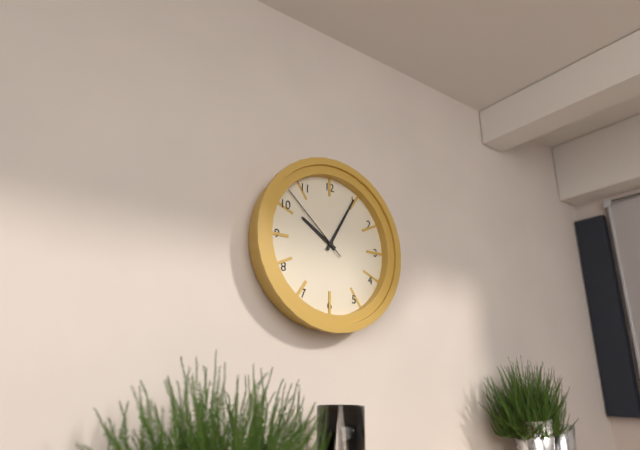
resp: 10h05m52s
